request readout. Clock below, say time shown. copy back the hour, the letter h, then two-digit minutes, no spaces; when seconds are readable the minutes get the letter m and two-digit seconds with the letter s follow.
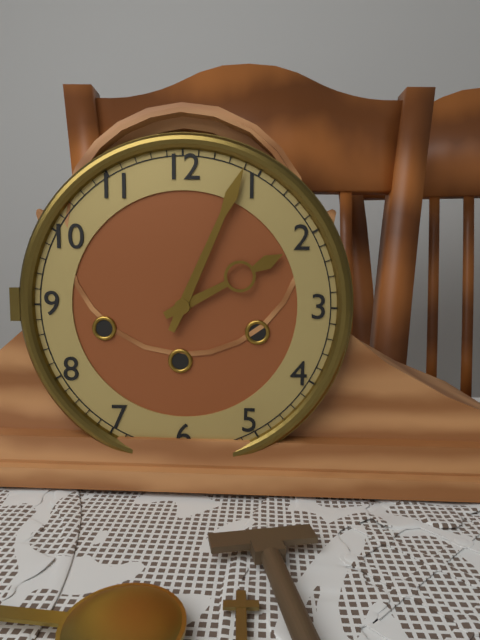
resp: 2h04
